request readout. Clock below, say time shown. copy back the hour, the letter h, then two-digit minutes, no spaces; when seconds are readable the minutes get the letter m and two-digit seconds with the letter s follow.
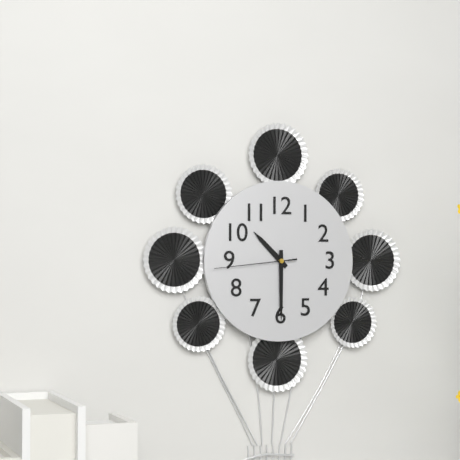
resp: 10h30m44s
